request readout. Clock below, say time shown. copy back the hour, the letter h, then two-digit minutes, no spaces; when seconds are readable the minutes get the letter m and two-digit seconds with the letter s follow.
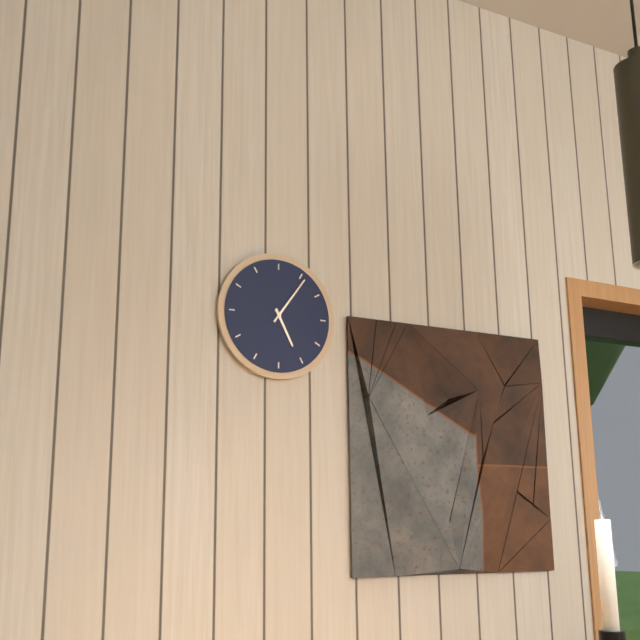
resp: 5h06
